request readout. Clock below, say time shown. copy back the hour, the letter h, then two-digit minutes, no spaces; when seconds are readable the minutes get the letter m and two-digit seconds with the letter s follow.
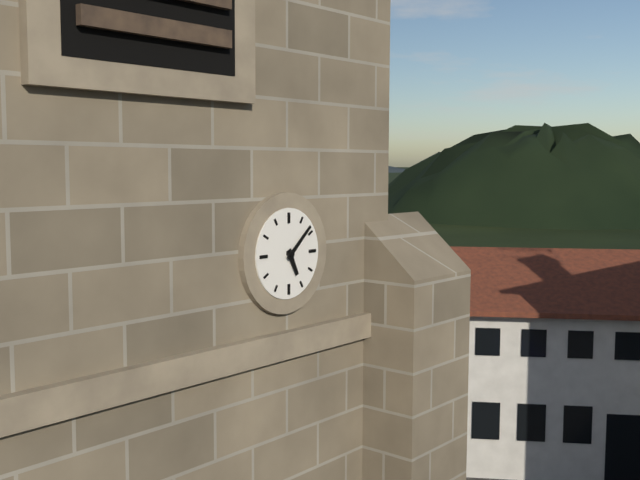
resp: 5h08
